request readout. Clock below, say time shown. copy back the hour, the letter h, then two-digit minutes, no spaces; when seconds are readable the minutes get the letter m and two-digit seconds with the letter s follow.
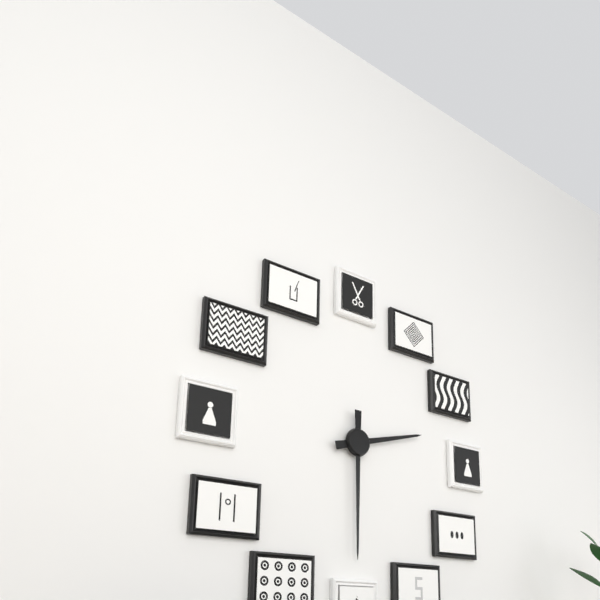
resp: 2h30
